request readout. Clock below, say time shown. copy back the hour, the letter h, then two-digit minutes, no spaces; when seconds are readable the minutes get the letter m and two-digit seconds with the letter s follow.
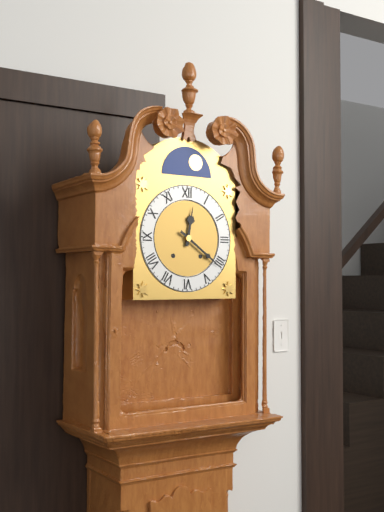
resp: 12h21
